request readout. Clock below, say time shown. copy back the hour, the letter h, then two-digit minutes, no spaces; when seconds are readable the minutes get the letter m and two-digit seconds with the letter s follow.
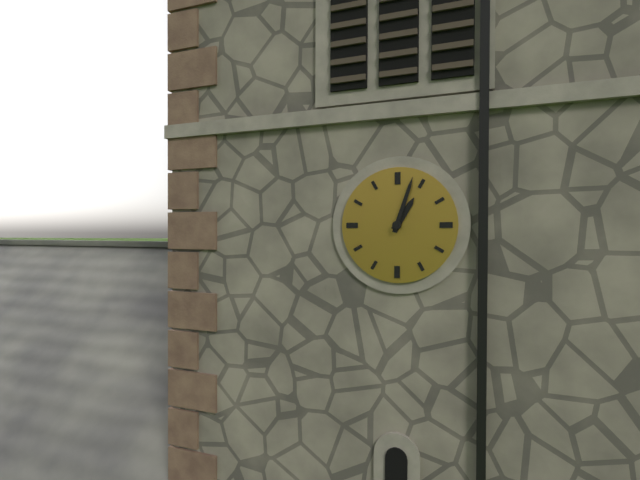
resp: 1h03
